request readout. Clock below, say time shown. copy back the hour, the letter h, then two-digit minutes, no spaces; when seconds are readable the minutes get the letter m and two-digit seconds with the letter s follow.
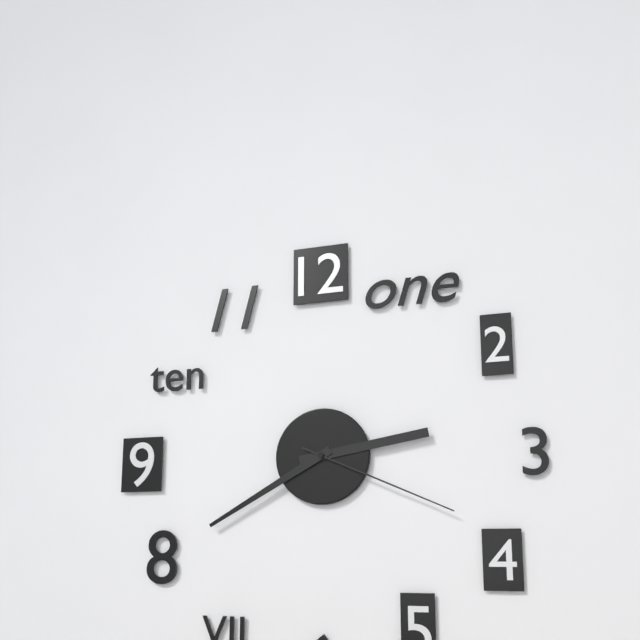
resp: 2h40m19s
